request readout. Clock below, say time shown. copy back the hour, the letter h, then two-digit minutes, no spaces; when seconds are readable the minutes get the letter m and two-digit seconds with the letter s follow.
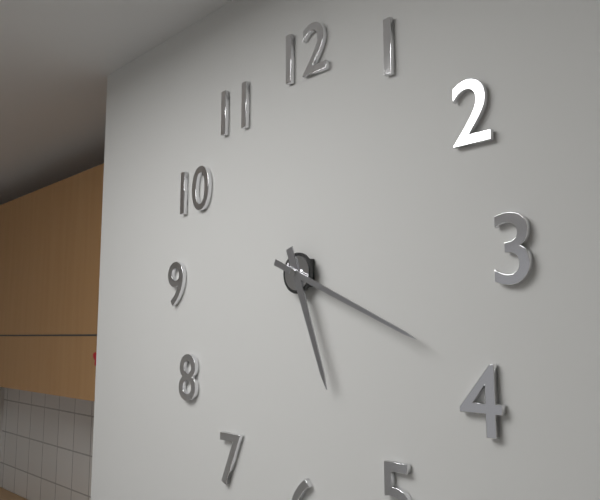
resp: 5h19
